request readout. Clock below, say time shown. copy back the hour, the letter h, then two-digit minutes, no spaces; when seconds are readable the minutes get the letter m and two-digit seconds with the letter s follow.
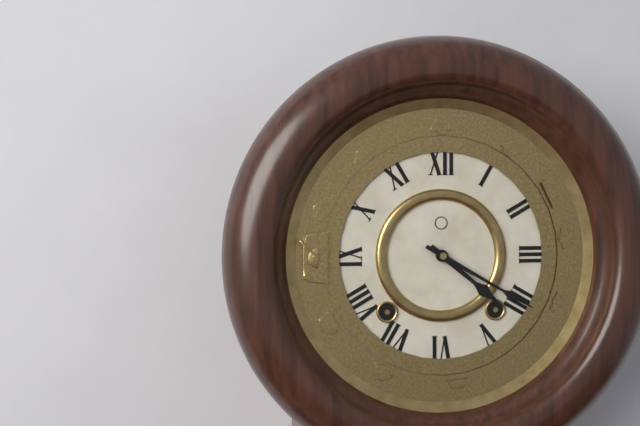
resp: 4h20
